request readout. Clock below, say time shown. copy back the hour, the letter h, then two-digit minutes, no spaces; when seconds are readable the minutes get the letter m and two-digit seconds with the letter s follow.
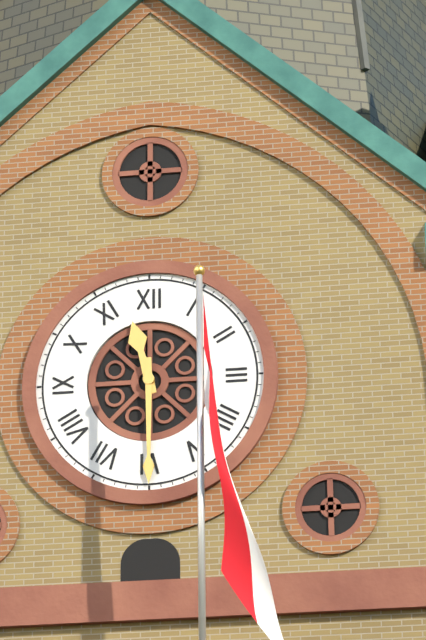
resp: 11h30
